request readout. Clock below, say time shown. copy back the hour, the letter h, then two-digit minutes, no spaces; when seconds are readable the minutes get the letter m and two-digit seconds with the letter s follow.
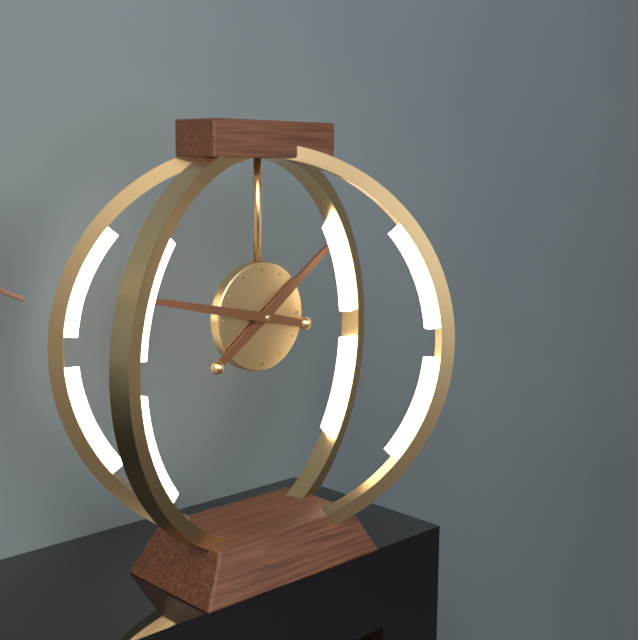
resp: 1h47
